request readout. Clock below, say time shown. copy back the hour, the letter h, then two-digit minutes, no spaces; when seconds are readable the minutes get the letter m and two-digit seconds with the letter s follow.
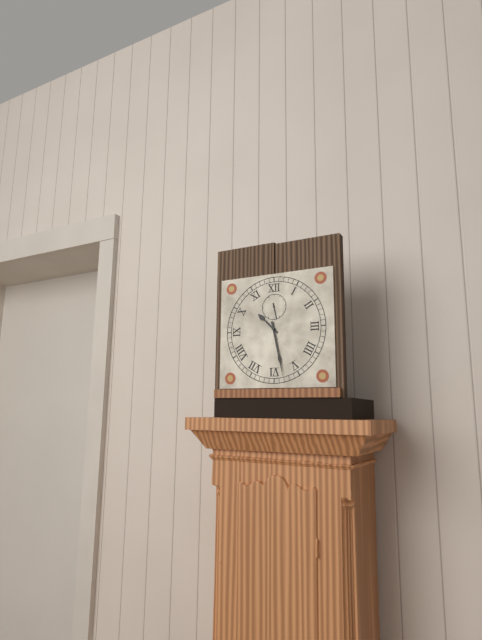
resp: 10h28
